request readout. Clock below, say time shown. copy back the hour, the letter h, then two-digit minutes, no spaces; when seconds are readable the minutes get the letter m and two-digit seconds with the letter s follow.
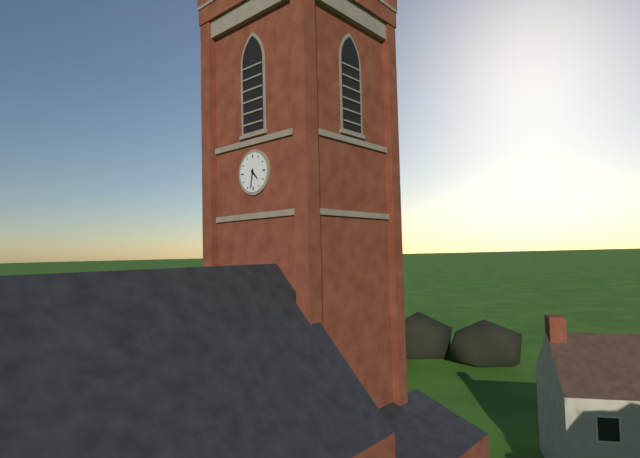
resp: 4h32
